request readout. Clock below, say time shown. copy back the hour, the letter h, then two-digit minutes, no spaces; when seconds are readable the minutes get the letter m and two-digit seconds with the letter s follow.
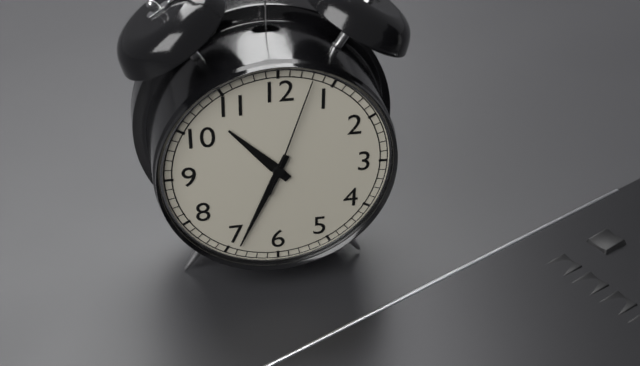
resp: 10h34m03s
